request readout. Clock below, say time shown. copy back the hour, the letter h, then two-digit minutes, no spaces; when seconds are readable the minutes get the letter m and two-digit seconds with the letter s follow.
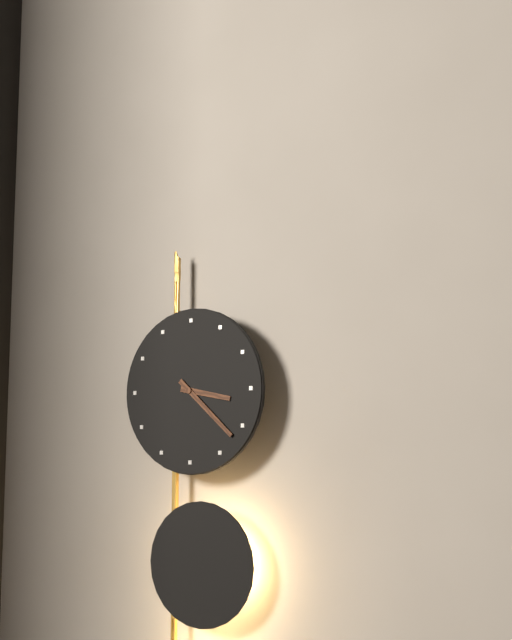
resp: 3h22
